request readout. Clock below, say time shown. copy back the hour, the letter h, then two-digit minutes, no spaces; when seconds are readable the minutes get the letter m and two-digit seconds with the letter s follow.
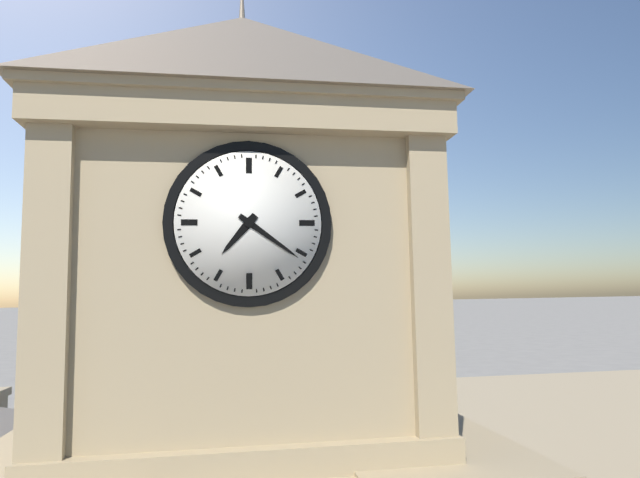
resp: 7h21
